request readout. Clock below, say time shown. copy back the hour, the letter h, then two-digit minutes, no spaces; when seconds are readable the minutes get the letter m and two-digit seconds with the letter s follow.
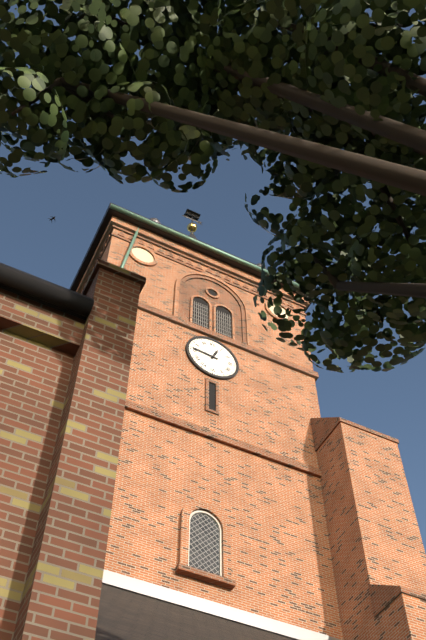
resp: 12h46
